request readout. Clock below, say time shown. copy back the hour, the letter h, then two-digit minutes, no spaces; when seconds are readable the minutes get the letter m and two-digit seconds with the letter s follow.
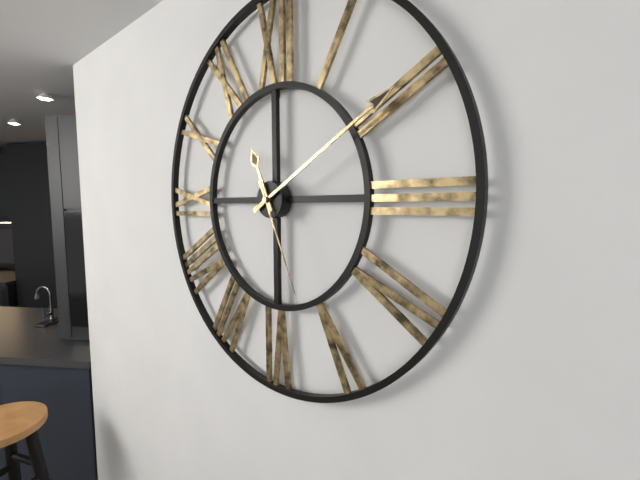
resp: 11h10m26s
